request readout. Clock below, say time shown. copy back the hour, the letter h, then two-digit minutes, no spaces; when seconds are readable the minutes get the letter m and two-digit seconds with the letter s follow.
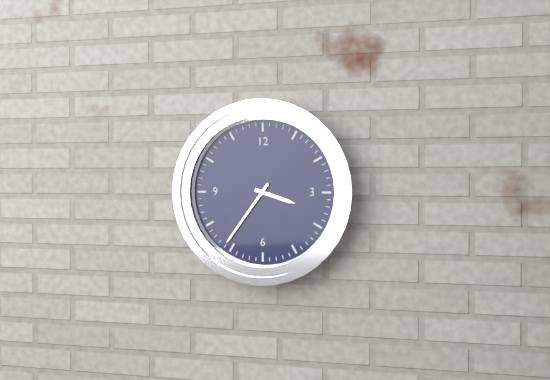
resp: 3h36
